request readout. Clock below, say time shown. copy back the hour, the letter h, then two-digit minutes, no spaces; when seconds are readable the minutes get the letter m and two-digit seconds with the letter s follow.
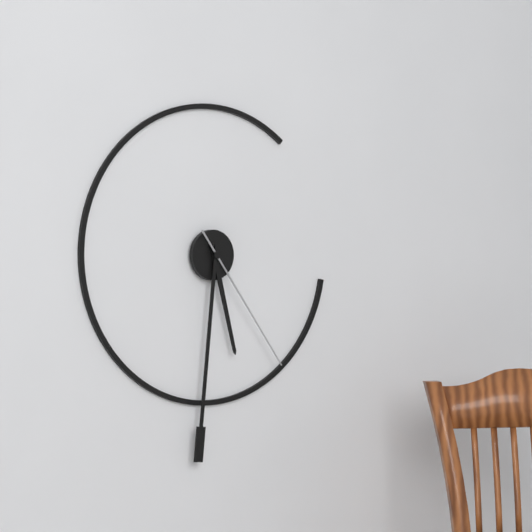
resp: 5h31m24s
